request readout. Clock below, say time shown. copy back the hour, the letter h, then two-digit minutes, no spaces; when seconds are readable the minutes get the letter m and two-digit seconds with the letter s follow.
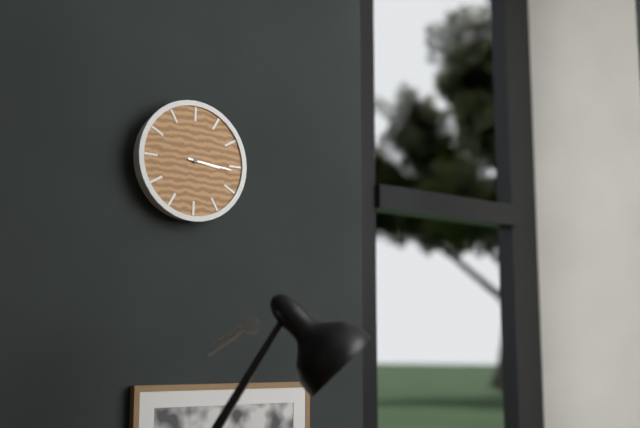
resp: 3h16
